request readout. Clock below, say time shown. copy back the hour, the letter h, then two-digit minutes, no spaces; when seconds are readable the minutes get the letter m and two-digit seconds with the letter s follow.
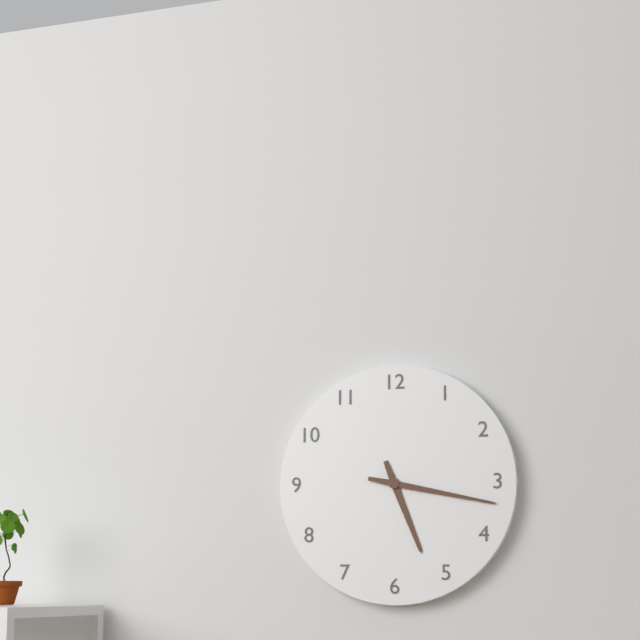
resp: 5h17
